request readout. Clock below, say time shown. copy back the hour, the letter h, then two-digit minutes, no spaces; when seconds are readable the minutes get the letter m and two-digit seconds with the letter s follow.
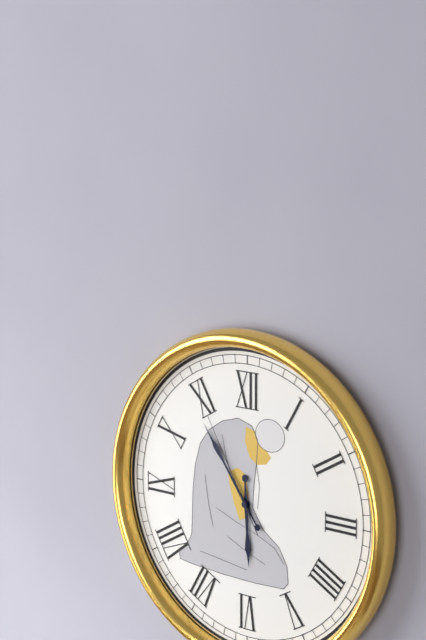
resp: 5h54m55s
